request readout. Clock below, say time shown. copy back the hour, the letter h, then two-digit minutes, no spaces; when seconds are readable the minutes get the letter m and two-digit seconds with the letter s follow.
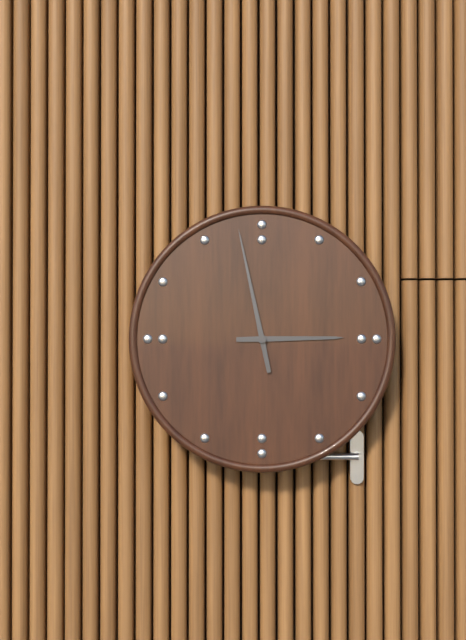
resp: 2h58
